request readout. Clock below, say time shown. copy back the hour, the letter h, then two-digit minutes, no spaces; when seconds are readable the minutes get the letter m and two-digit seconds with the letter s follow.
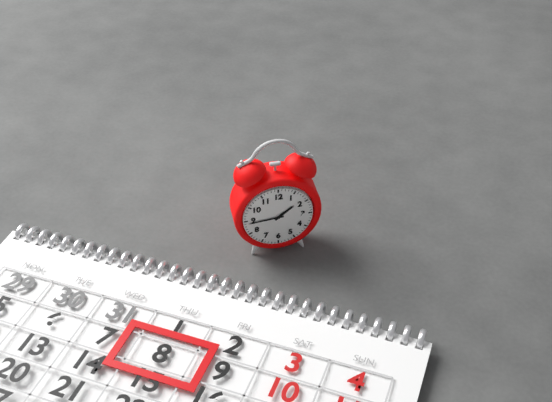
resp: 1h44
